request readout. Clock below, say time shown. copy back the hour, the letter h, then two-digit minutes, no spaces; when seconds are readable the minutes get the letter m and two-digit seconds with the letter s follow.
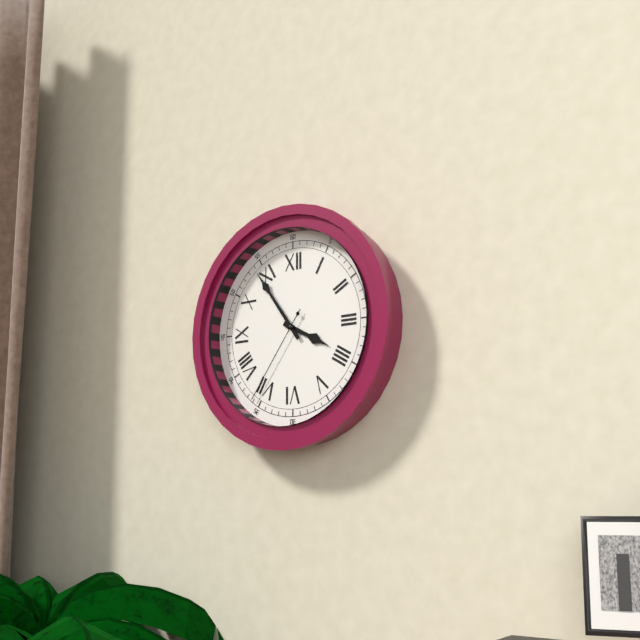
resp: 3h54m36s
